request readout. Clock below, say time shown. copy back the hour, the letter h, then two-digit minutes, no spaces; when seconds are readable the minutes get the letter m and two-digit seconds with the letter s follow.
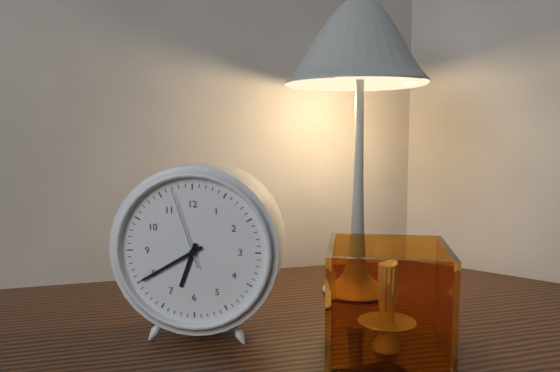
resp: 6h40m57s
